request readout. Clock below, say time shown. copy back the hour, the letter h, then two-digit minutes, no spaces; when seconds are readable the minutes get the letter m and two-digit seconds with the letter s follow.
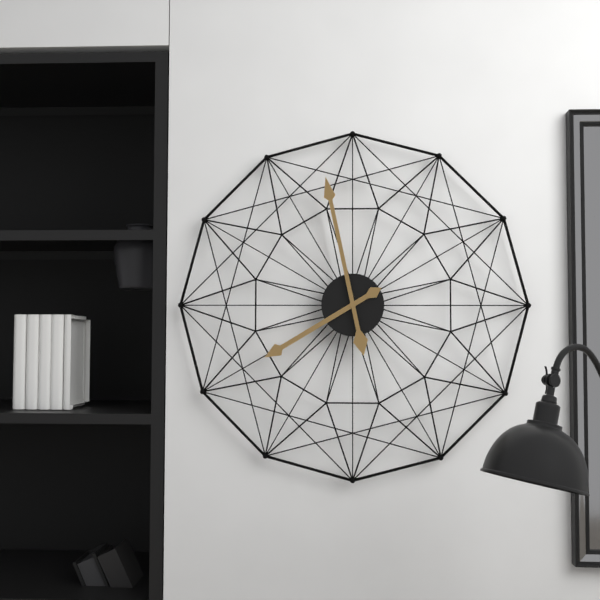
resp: 7h58
